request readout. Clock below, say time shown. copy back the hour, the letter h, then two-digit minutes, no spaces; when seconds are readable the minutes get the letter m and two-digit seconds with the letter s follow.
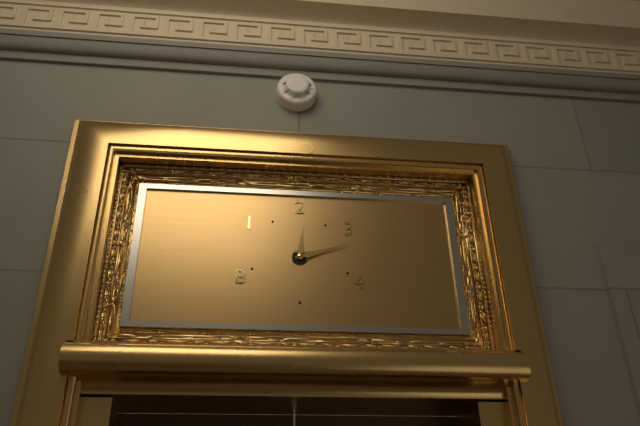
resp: 12h12
